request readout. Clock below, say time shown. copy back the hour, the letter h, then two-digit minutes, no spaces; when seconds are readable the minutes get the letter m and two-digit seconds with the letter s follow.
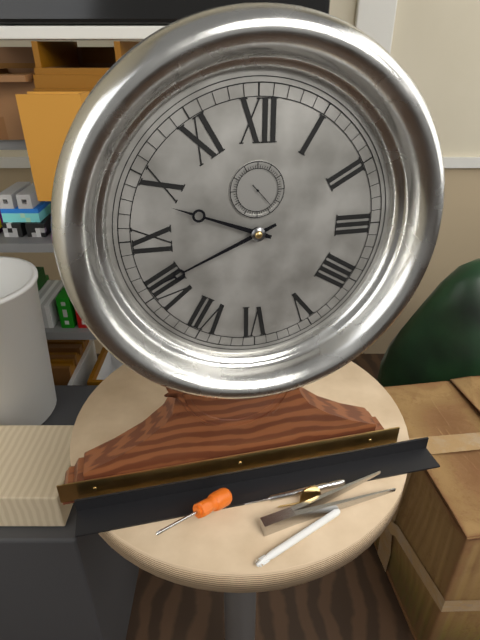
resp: 9h41
